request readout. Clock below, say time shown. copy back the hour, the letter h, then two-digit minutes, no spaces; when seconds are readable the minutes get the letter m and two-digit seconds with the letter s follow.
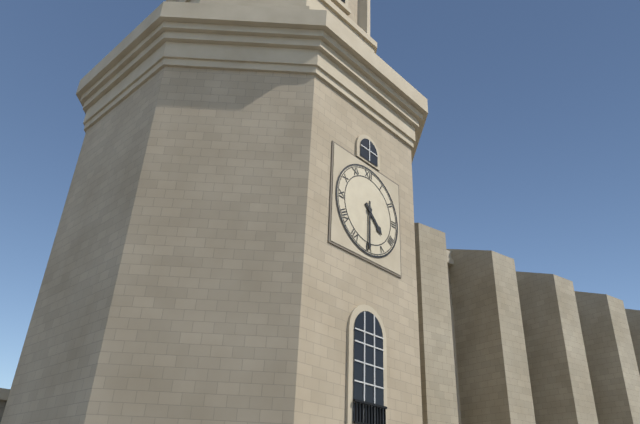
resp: 4h30
